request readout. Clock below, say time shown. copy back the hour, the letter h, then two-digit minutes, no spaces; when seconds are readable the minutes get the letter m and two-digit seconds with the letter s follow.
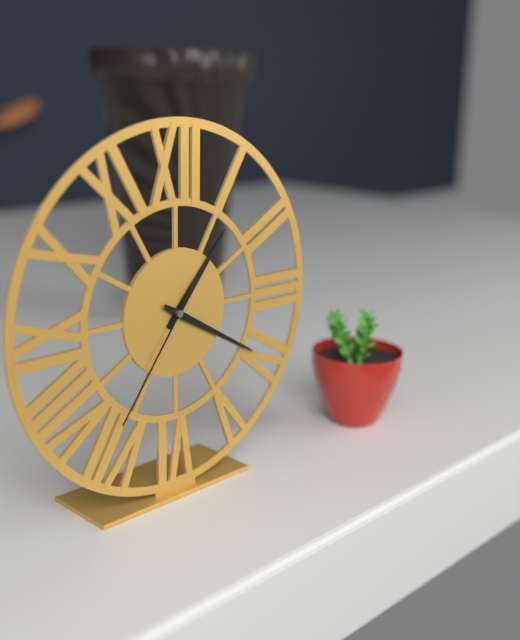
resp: 1h20m36s
